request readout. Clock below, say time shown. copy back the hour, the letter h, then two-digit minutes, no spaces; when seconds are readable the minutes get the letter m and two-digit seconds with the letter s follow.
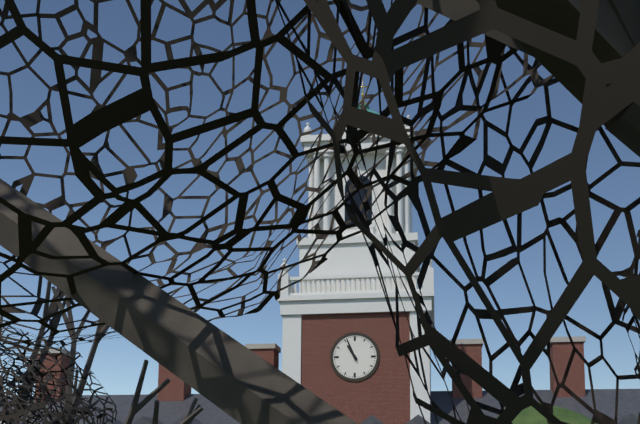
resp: 10h56
